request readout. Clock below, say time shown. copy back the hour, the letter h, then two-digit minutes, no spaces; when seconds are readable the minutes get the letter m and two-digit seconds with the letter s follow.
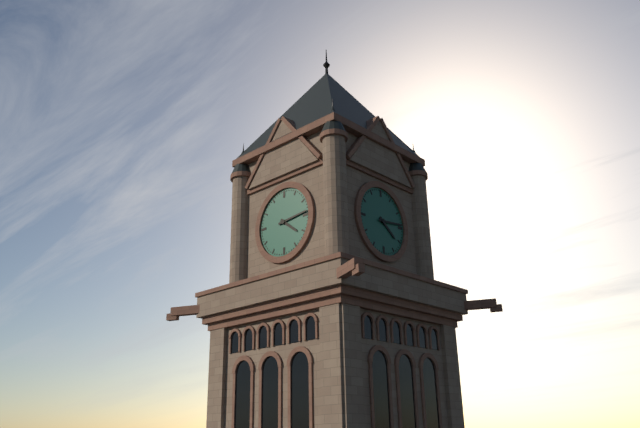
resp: 4h14
